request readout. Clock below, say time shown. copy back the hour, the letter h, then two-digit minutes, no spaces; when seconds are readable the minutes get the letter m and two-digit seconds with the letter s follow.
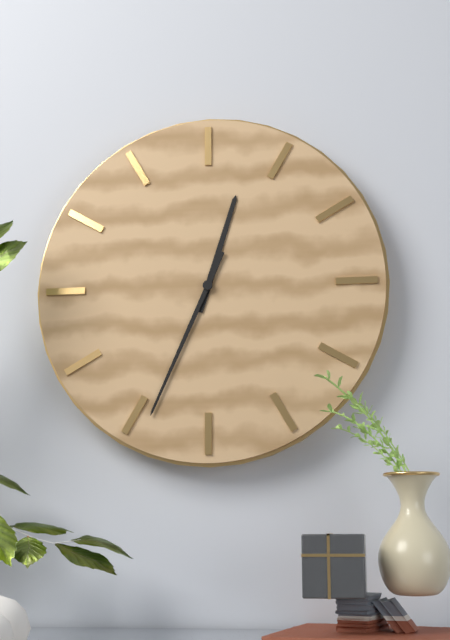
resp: 12h34
